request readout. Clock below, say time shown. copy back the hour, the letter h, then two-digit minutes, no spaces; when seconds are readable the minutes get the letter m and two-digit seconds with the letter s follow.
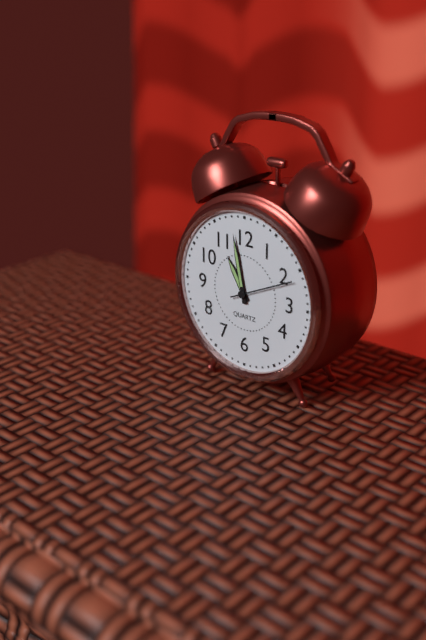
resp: 10h58m11s
